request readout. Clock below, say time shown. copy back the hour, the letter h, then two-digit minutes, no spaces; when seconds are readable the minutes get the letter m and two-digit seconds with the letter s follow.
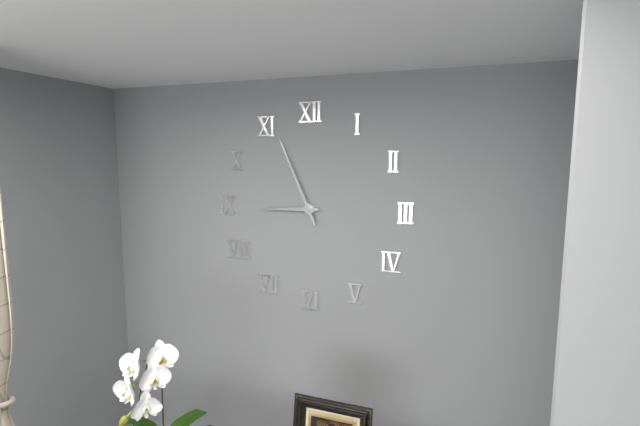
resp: 8h56
